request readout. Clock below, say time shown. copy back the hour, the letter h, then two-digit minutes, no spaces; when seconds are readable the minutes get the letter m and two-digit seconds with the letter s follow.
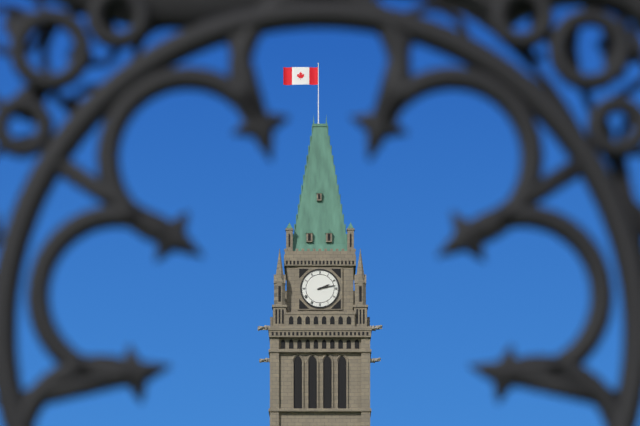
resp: 2h13
